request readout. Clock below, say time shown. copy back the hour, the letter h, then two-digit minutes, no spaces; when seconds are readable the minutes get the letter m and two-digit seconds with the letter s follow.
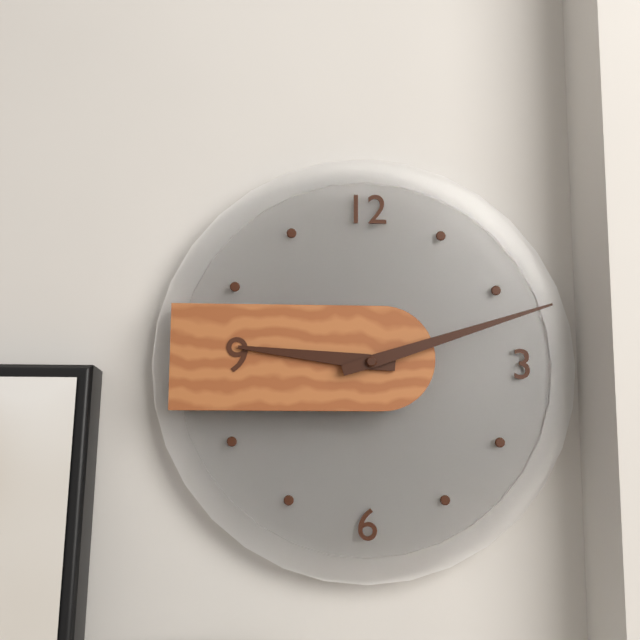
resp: 9h12
